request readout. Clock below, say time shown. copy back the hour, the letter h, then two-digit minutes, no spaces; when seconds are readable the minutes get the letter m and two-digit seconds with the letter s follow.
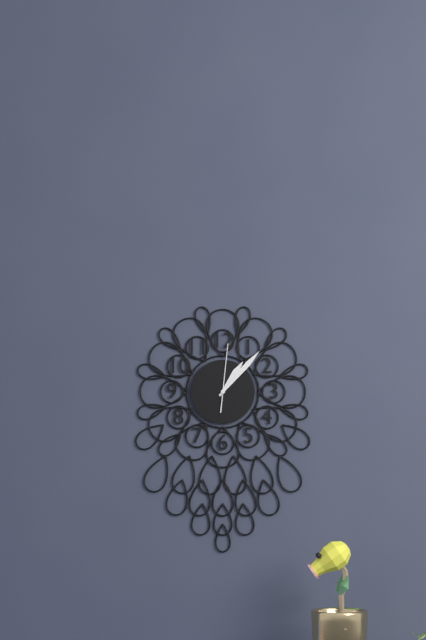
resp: 1h07m01s
